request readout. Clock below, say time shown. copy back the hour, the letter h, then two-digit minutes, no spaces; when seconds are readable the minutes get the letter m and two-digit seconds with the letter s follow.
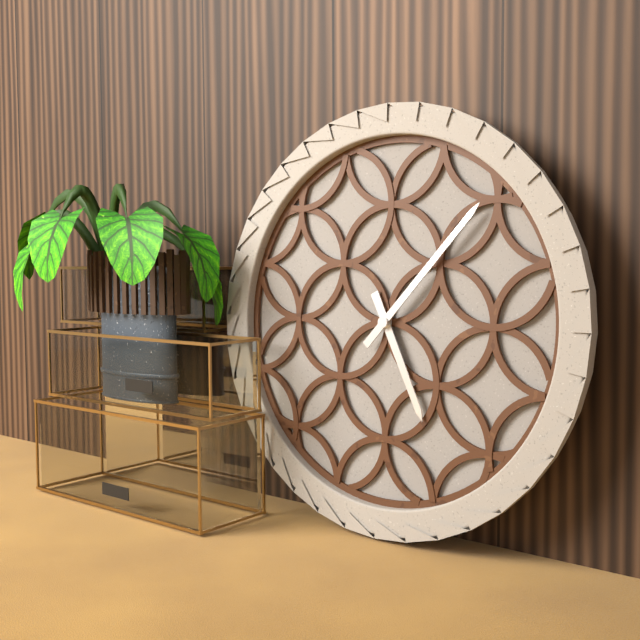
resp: 5h07
